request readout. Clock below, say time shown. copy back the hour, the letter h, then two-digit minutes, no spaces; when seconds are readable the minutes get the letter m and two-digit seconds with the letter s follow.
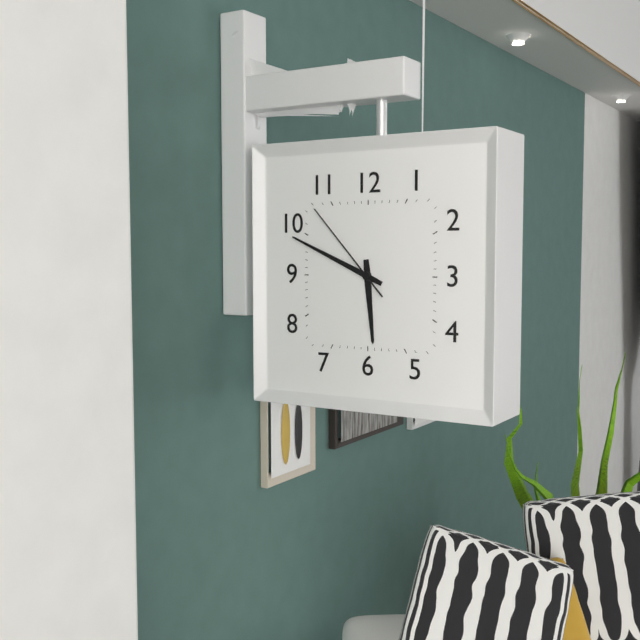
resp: 5h49m53s
